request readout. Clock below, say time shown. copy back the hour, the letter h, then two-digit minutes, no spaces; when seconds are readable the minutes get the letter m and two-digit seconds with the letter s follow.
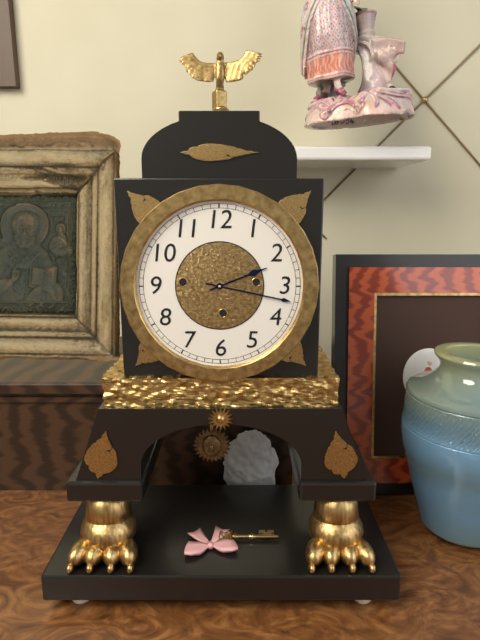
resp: 2h17
